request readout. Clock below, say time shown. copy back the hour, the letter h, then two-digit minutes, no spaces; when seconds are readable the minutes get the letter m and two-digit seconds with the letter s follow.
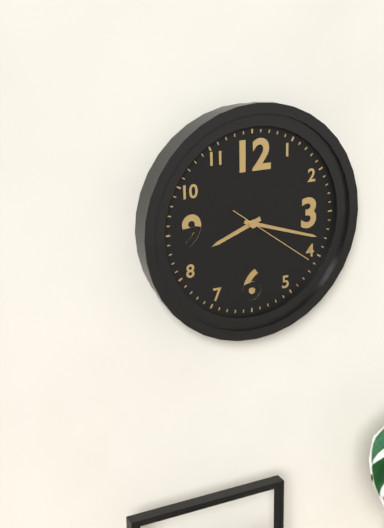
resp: 8h18m21s
